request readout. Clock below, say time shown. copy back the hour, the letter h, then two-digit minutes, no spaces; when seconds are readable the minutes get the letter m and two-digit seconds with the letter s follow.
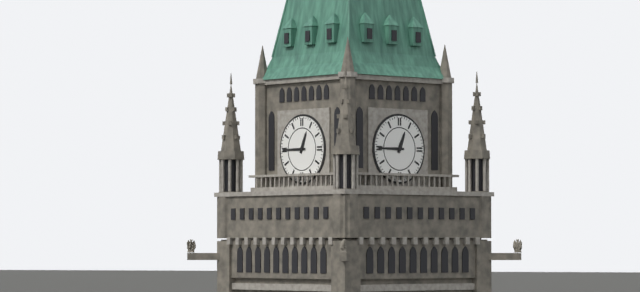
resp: 12h45
